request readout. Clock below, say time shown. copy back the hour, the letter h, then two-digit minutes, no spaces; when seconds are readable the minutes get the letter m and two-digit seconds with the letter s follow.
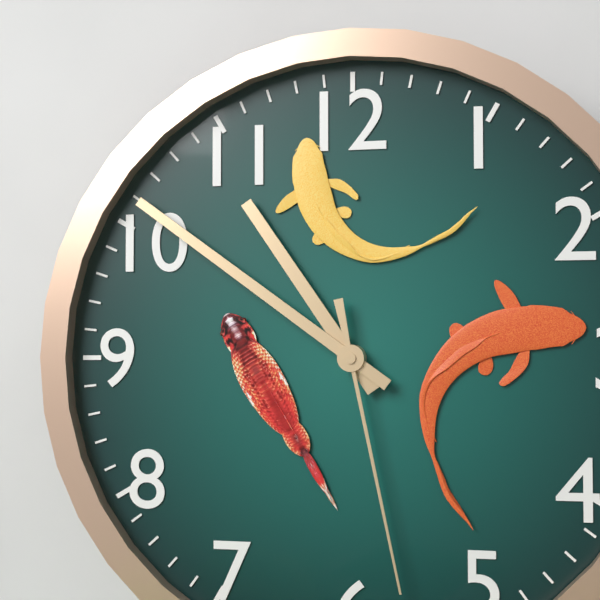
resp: 10h51m28s
